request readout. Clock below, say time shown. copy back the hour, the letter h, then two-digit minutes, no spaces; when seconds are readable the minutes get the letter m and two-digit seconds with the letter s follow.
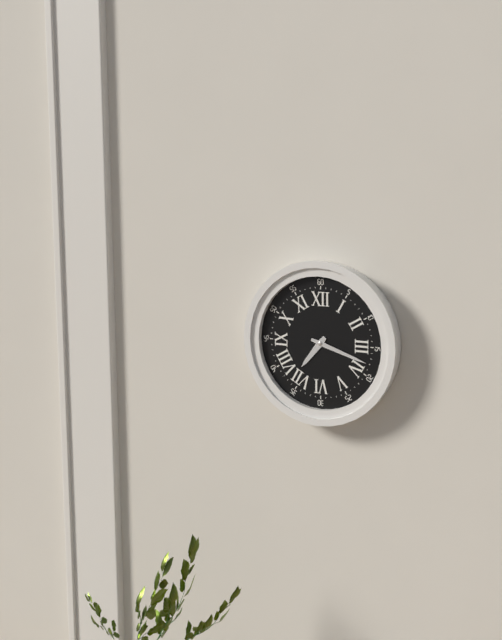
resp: 7h18
